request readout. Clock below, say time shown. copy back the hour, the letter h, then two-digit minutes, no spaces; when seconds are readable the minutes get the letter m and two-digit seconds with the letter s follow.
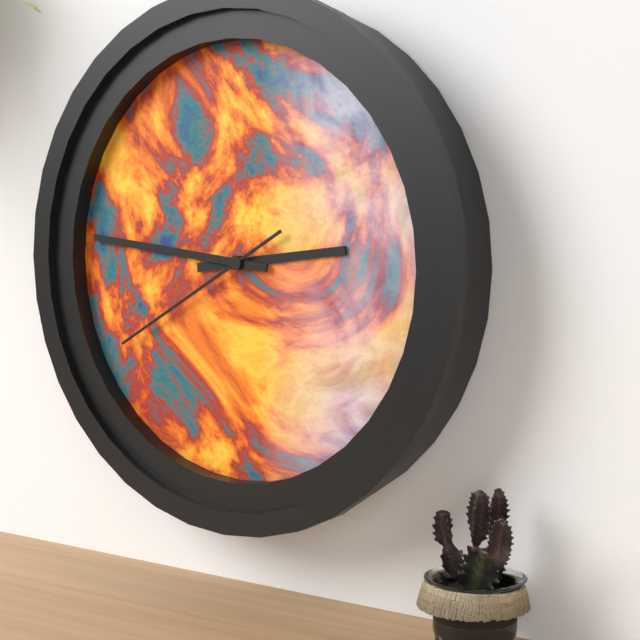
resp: 2h46m40s
